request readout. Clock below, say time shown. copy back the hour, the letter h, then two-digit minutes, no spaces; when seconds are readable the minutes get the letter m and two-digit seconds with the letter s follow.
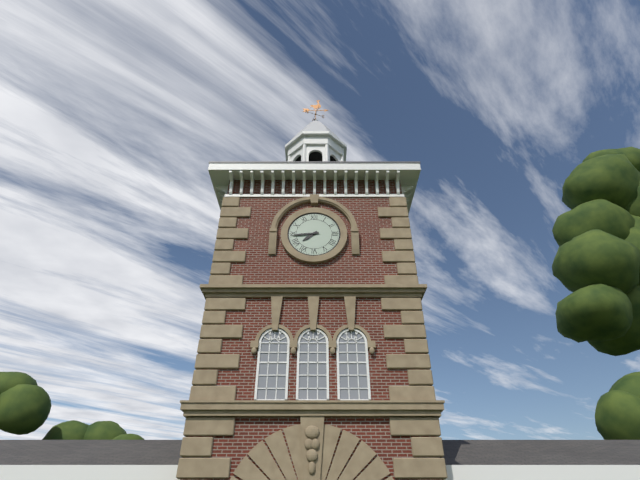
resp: 7h44
